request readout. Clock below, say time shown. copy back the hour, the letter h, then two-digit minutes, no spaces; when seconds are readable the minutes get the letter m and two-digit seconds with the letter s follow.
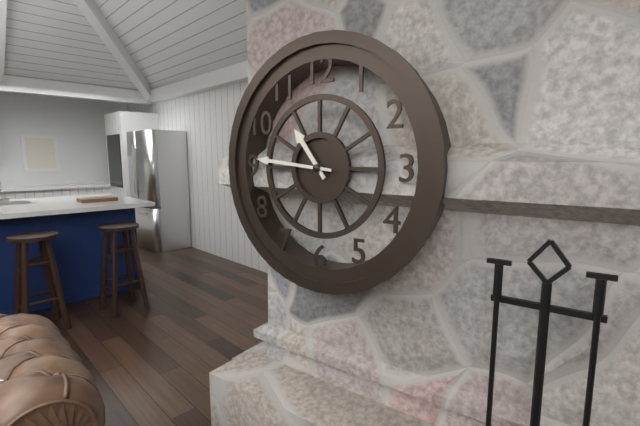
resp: 10h46
